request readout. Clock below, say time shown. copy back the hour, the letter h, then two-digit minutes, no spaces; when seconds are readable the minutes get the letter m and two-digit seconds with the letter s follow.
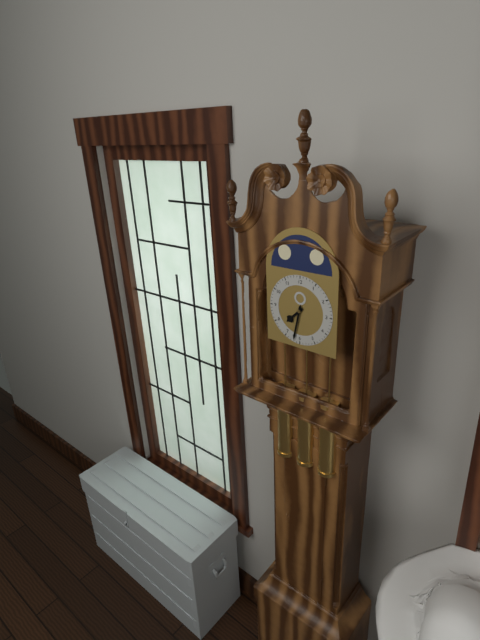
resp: 7h32
